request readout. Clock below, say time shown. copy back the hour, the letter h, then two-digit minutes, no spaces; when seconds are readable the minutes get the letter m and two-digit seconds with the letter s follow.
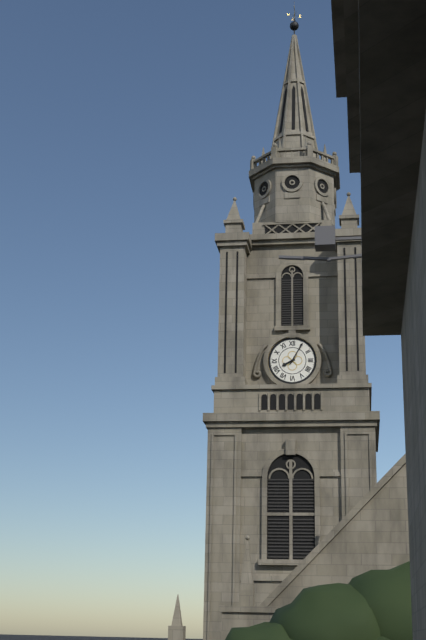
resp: 8h05
